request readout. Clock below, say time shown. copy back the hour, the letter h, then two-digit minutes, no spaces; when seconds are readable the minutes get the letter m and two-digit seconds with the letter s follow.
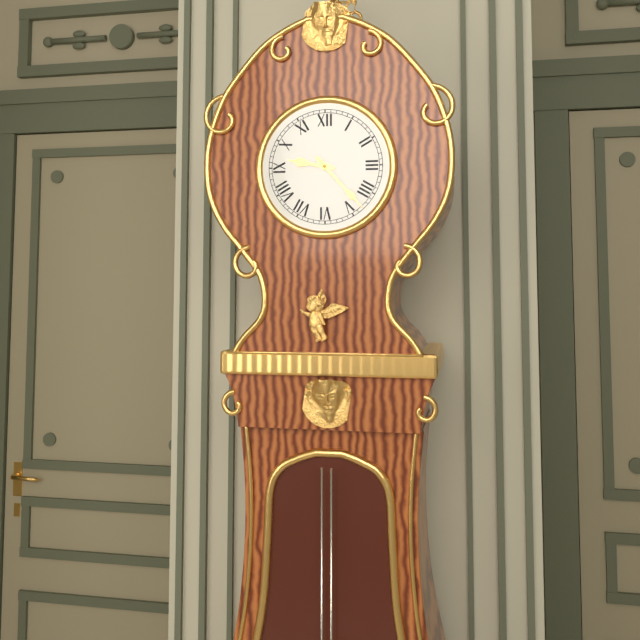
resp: 9h23
